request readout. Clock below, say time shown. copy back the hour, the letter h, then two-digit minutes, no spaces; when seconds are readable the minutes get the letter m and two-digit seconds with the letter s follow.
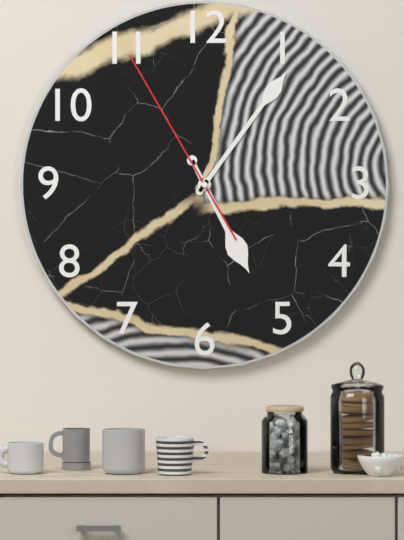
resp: 5h06m55s
